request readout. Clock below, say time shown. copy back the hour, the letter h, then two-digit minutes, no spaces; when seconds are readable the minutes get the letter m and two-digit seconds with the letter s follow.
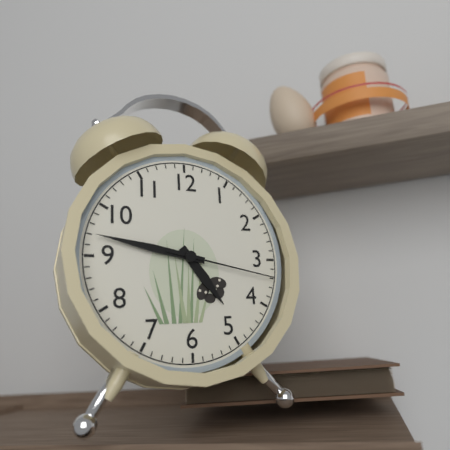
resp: 4h47m17s
